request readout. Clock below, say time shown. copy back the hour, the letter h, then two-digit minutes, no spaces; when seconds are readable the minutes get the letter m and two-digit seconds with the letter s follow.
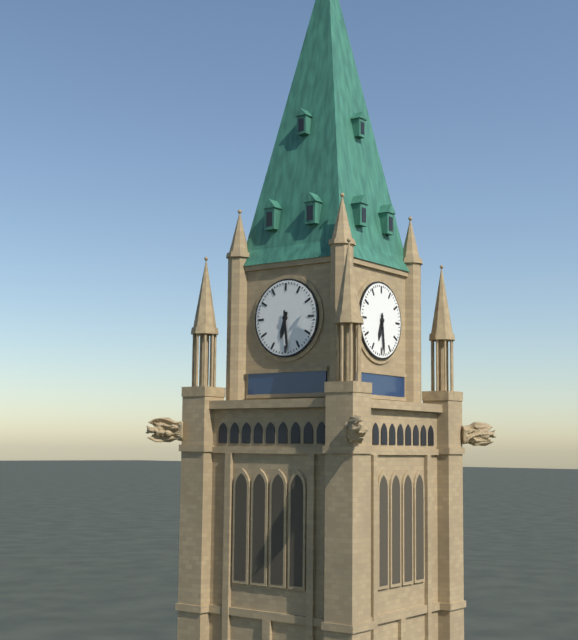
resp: 6h29
